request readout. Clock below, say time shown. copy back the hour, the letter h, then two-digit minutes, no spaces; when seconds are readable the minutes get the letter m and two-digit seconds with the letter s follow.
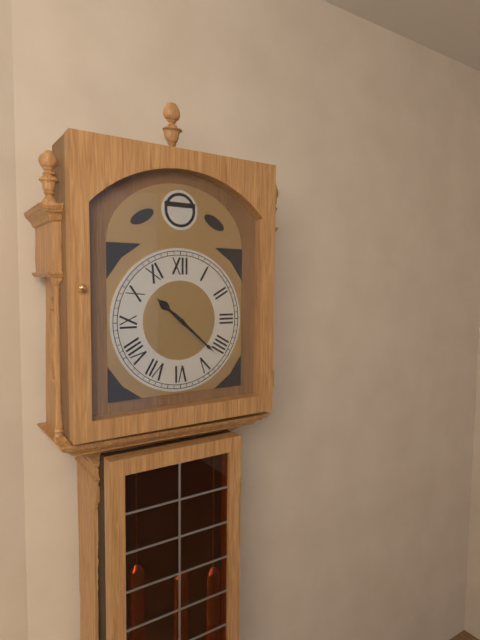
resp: 10h22
